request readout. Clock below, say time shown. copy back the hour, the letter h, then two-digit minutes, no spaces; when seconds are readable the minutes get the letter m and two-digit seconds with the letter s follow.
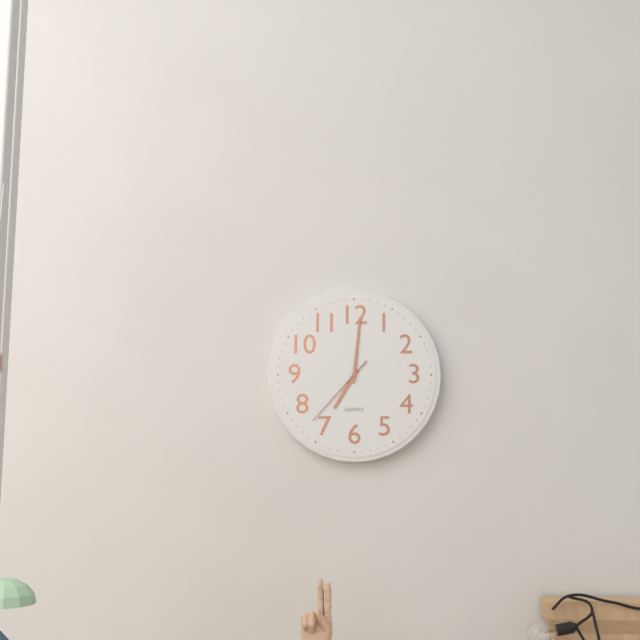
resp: 7h01m37s
